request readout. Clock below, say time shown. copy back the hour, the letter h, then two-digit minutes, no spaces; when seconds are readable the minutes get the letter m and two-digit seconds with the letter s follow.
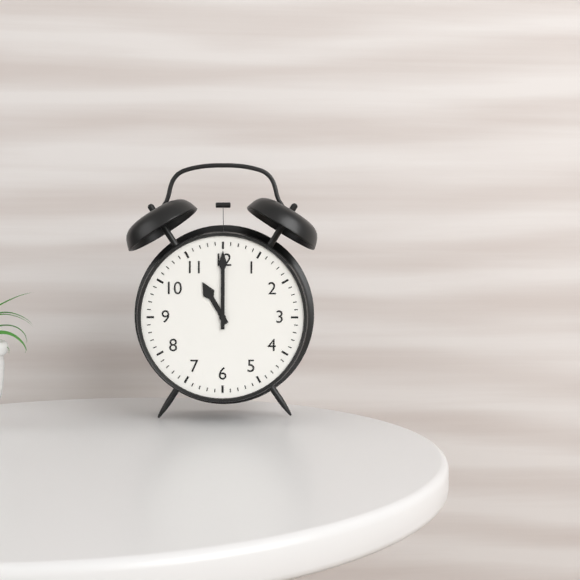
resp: 11h00
